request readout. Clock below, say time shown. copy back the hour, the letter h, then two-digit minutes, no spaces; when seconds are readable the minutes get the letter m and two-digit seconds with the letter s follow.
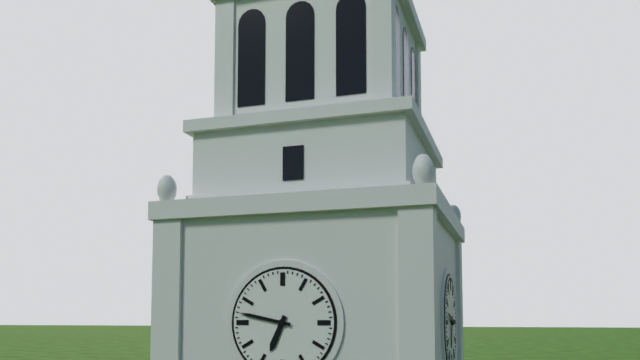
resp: 6h47
